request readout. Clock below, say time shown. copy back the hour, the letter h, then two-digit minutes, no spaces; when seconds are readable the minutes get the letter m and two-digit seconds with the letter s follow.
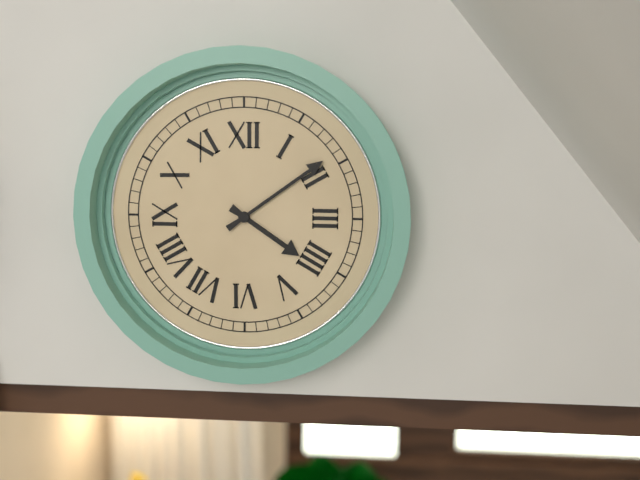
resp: 4h09
